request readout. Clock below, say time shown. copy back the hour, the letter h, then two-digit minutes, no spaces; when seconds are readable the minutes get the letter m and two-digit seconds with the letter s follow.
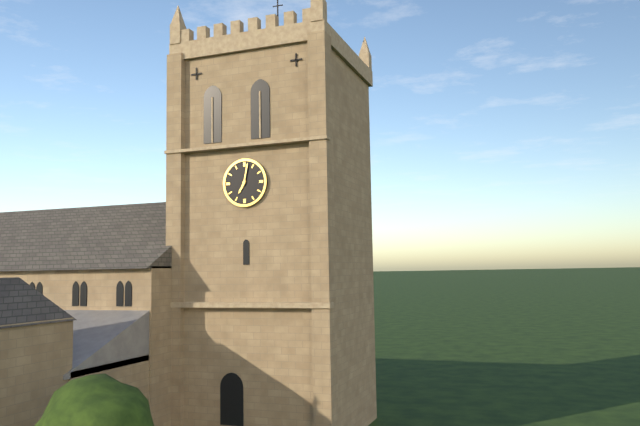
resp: 7h02
